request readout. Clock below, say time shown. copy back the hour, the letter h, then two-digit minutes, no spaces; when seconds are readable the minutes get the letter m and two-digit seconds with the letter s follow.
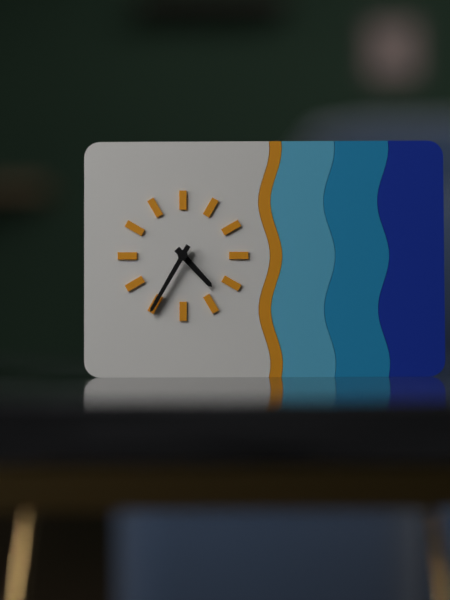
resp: 4h35
